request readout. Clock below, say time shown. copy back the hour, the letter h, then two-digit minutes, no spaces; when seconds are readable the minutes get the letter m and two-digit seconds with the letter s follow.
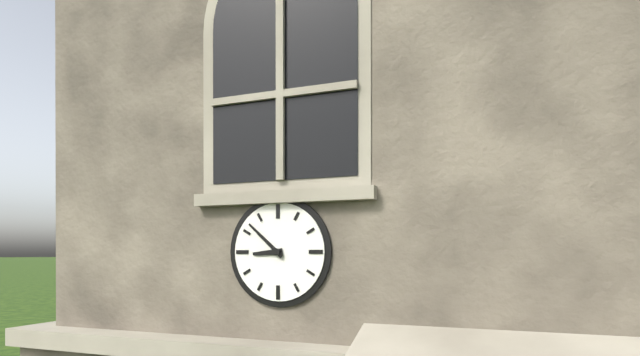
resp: 8h52
